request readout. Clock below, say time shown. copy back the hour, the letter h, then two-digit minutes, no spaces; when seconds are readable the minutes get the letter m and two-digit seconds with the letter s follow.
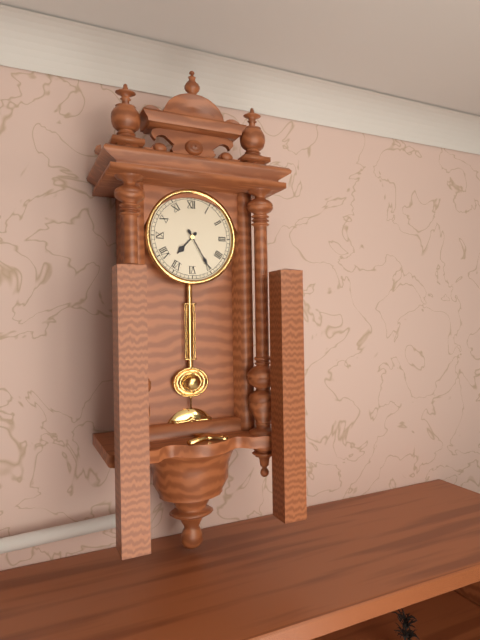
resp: 7h25
